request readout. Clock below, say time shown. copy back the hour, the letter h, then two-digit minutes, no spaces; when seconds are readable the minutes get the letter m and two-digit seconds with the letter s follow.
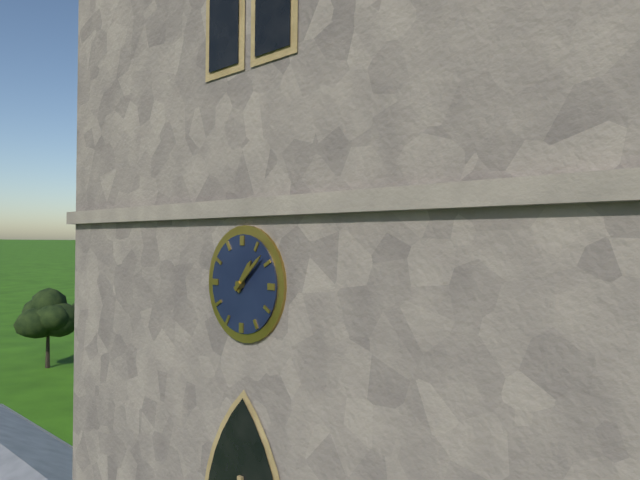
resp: 1h08
